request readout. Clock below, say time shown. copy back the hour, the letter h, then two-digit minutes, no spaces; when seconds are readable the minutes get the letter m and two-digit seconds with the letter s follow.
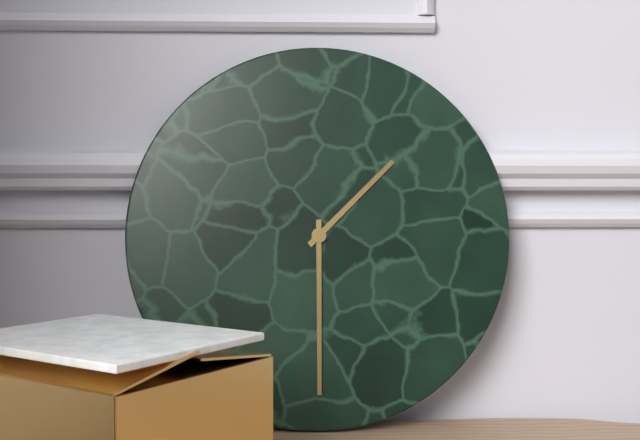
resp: 1h30
